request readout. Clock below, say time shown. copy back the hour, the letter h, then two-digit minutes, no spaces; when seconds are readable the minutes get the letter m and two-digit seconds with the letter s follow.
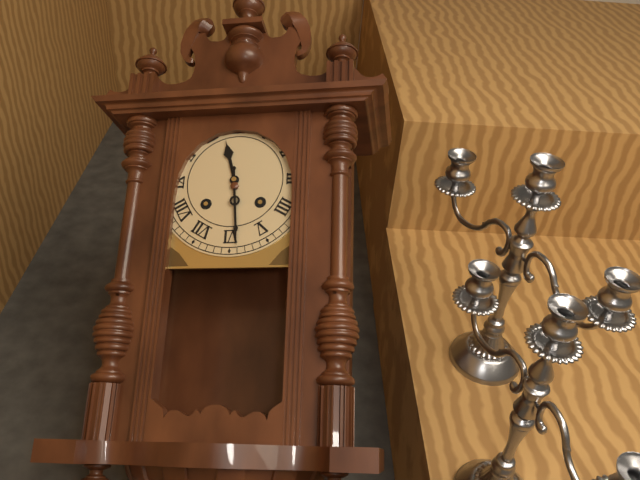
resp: 11h29
